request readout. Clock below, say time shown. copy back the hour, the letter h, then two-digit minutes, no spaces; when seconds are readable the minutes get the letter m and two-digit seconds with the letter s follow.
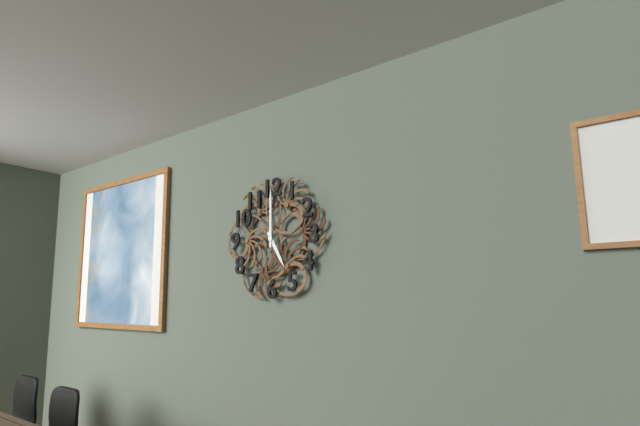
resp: 5h00
